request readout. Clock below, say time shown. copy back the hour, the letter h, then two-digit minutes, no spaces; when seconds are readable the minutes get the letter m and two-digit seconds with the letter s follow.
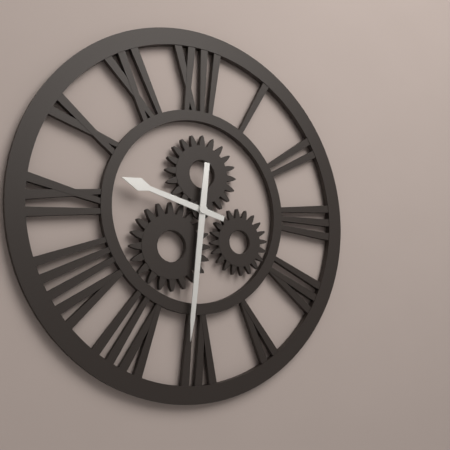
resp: 9h31
